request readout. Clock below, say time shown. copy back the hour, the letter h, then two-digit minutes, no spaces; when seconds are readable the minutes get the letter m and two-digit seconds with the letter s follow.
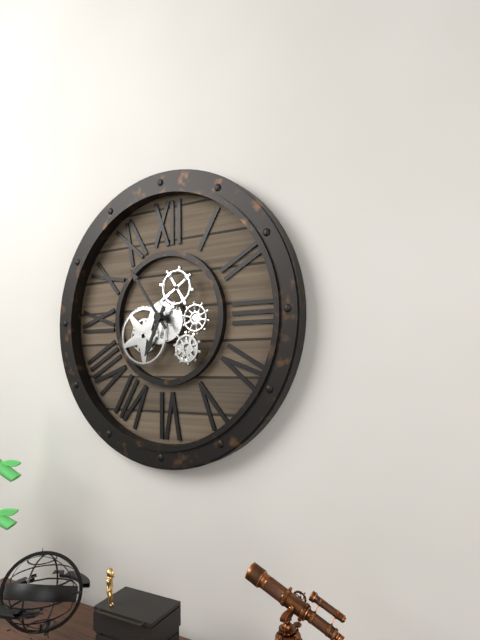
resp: 6h54
